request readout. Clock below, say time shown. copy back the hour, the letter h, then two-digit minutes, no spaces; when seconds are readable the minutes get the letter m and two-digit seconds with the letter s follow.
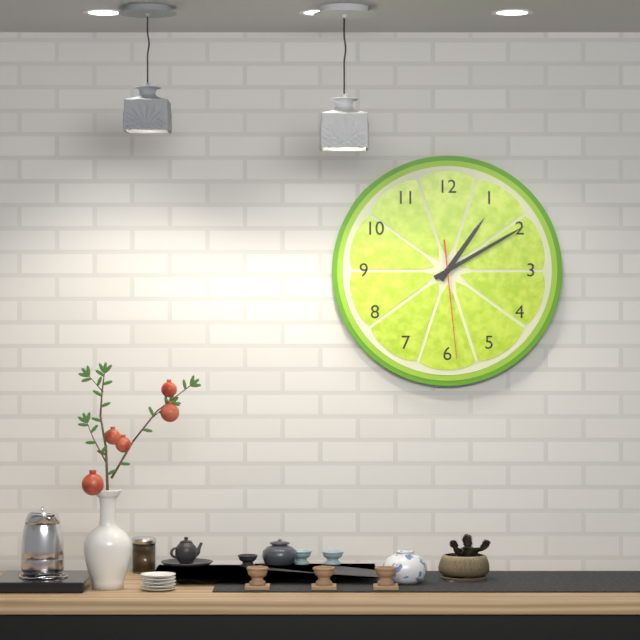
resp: 1h10m29s
